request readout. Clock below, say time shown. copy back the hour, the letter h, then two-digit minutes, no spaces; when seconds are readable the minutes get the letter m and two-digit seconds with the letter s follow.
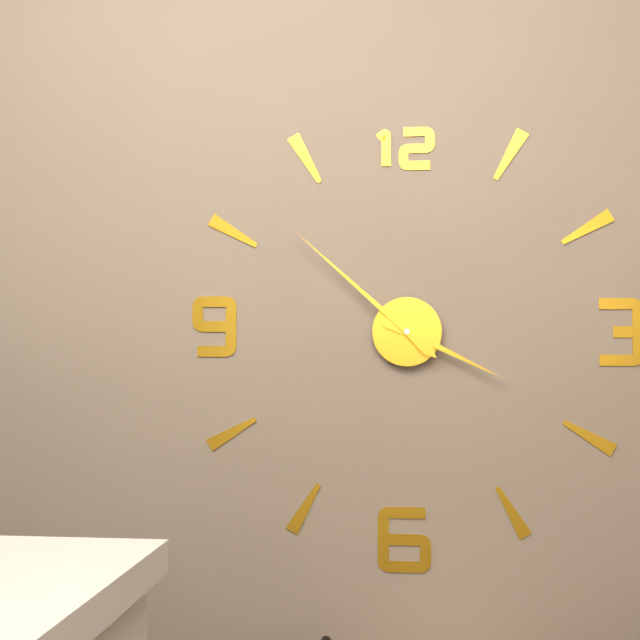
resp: 3h52
